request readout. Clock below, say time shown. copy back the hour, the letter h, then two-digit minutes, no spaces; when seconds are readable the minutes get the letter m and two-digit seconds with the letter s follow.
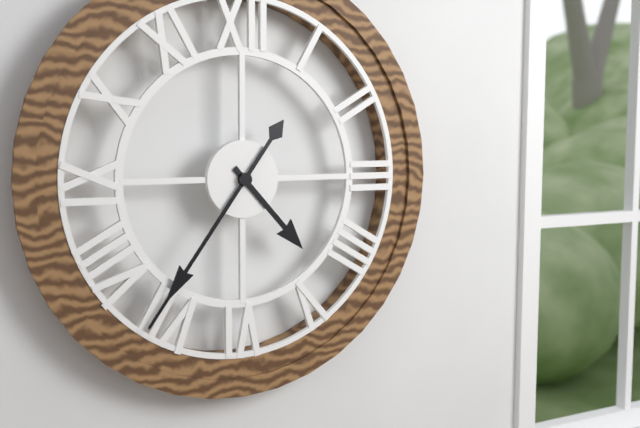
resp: 4h36
